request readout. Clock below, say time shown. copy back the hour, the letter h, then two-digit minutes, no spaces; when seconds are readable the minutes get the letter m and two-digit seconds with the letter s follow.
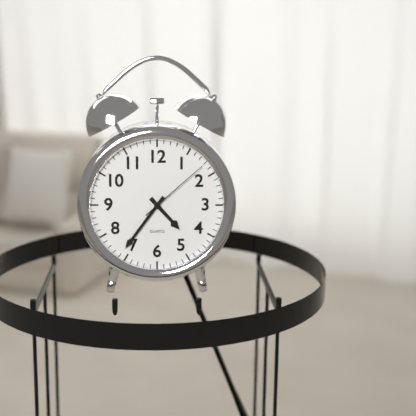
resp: 4h36m08s
